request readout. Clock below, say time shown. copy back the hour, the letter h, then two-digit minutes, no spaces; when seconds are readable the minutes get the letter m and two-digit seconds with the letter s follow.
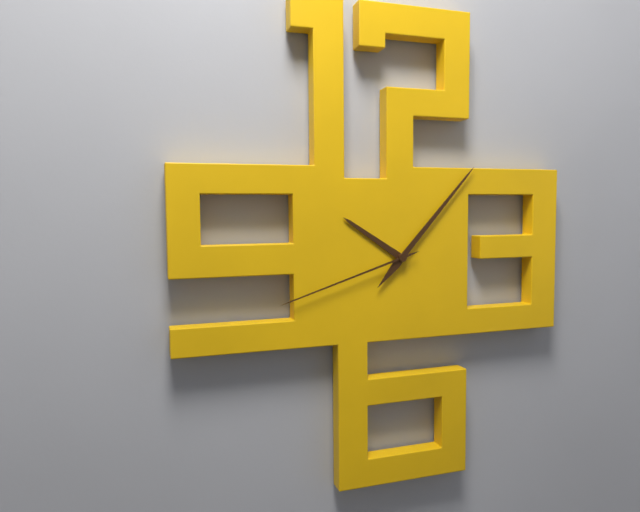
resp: 10h07m42s
